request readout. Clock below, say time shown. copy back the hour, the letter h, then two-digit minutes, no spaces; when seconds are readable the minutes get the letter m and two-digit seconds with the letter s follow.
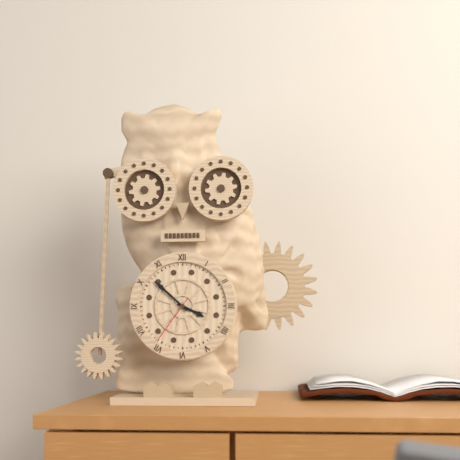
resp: 3h52m36s
